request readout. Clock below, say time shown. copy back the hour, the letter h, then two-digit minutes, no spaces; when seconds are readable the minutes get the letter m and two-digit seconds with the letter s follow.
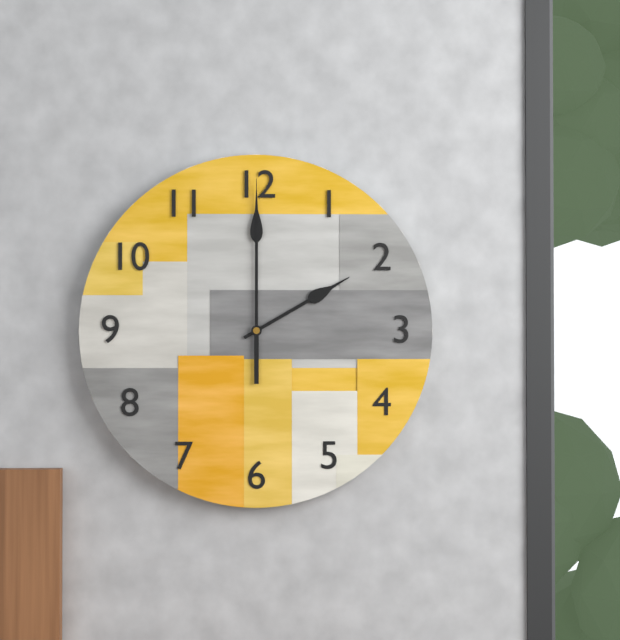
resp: 2h00m00s
